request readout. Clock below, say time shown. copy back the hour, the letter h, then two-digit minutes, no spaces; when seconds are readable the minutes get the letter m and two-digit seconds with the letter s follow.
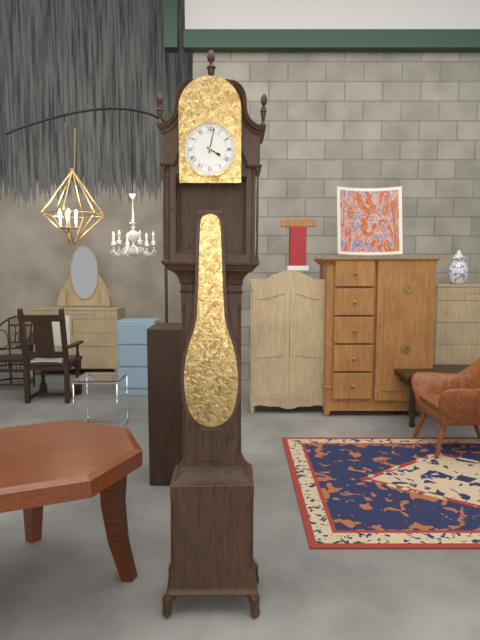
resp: 4h02
